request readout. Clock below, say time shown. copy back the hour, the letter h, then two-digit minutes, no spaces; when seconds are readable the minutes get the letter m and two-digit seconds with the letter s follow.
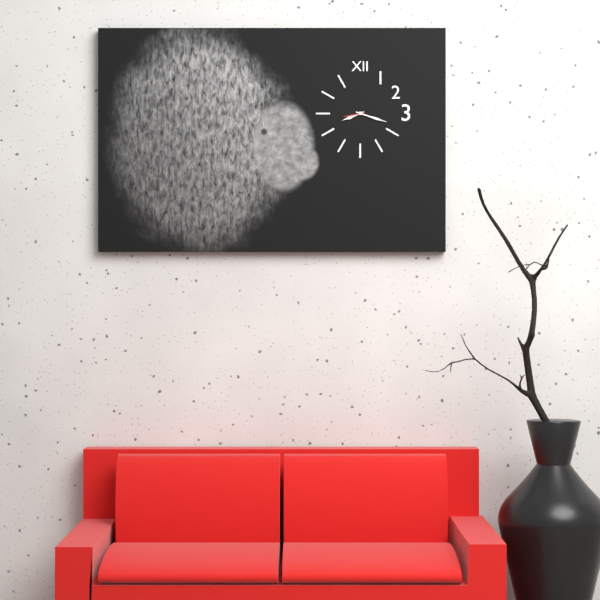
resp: 8h18
